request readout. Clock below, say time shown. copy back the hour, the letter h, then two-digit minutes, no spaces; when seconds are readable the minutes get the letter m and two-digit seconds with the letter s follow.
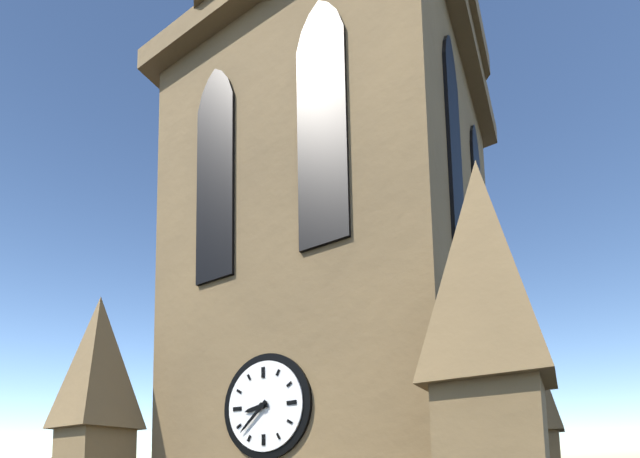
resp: 8h38
